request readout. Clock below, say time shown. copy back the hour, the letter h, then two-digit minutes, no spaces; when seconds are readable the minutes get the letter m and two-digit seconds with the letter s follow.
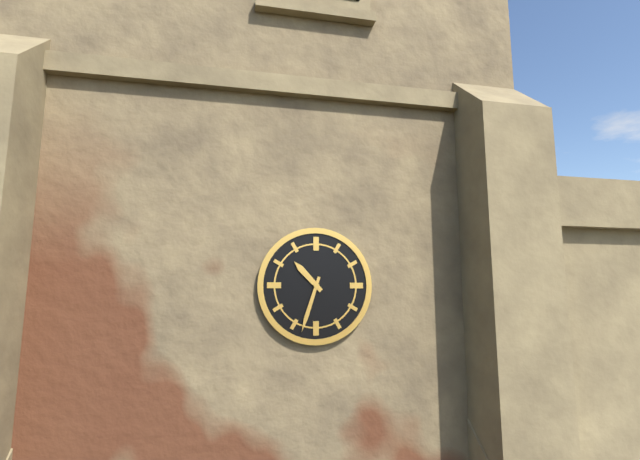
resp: 10h33
